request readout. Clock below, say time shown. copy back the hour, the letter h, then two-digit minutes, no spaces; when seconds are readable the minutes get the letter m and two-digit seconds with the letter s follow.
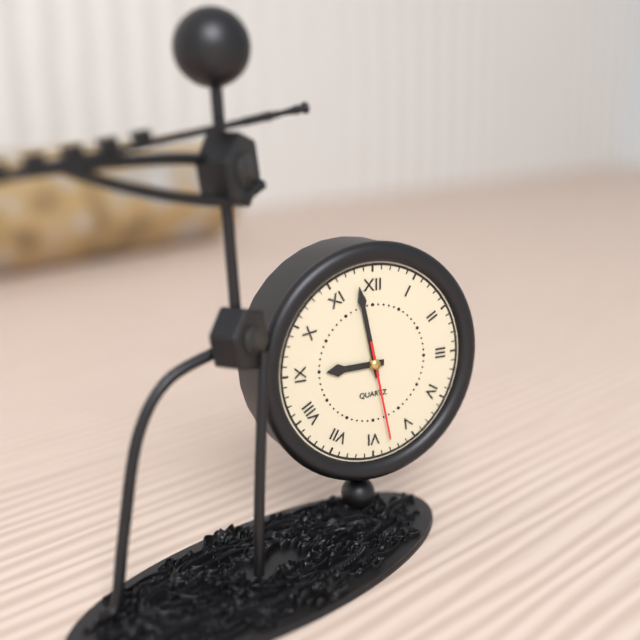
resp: 8h58m28s
